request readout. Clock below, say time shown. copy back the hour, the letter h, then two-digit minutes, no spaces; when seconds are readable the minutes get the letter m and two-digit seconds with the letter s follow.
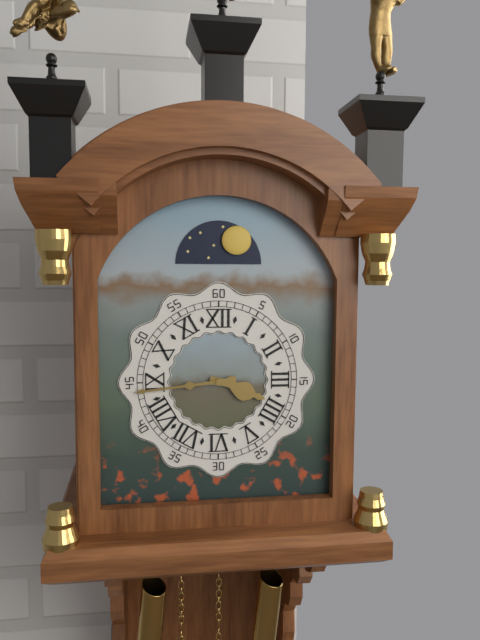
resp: 3h44
